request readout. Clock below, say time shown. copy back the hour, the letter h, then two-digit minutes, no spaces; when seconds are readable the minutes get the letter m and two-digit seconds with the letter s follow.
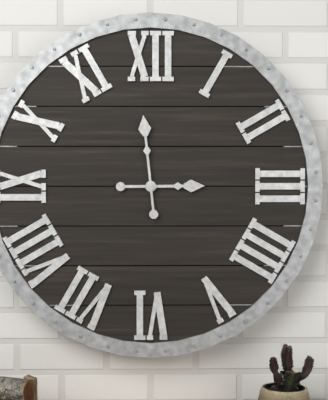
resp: 2h59
